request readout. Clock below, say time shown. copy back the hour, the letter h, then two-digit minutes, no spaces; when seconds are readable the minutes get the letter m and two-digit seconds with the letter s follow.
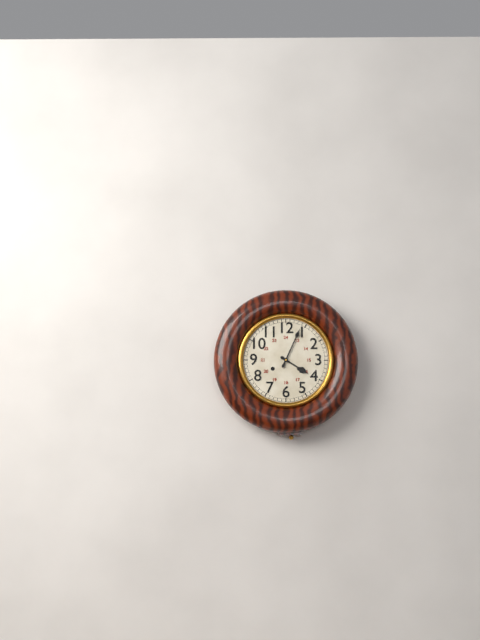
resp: 4h04
